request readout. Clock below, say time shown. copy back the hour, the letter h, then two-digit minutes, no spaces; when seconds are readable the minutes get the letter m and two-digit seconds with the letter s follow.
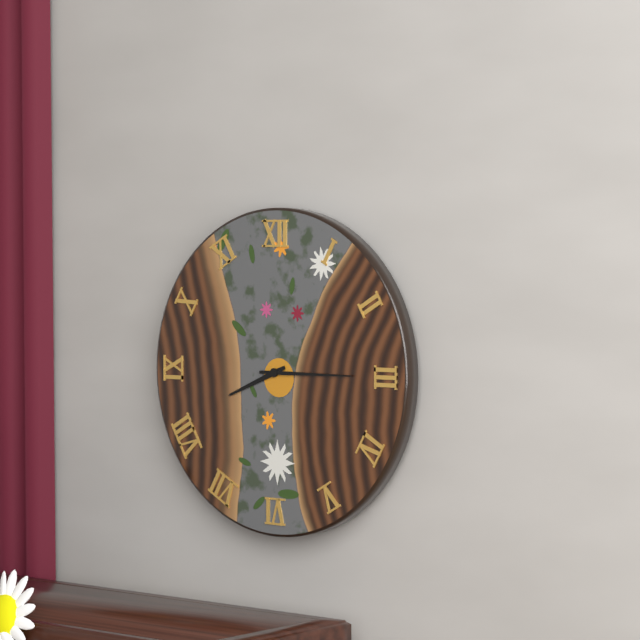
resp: 8h15
